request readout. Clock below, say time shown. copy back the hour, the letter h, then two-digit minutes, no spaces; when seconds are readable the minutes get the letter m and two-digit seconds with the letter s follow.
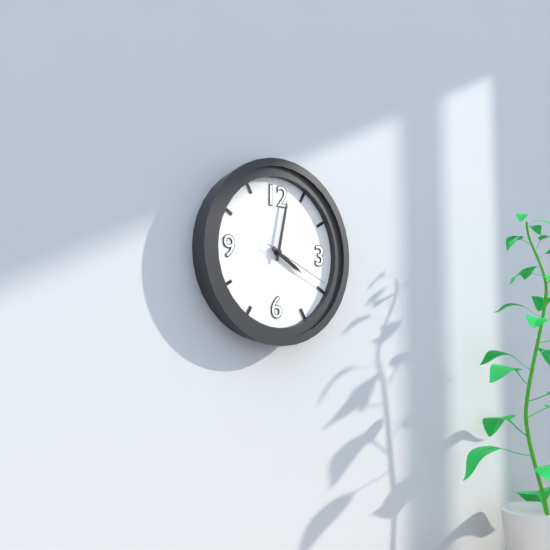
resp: 4h02m19s
